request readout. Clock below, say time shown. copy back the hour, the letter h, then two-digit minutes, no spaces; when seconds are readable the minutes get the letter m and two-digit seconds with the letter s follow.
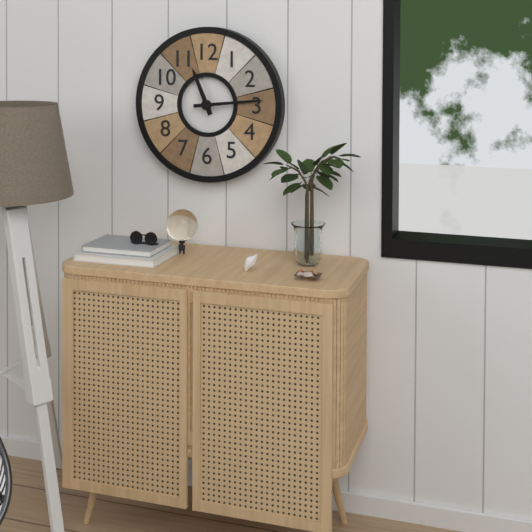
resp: 11h14
